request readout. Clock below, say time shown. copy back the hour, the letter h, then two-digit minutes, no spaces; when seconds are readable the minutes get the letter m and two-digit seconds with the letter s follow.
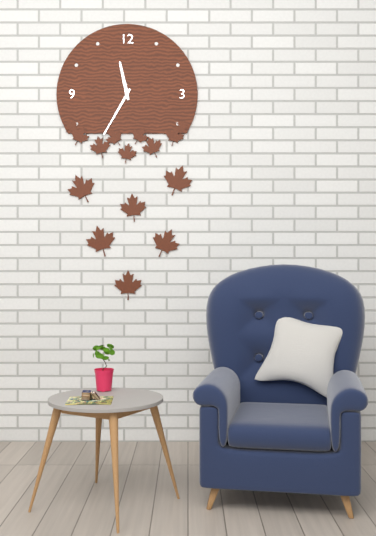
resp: 11h35
